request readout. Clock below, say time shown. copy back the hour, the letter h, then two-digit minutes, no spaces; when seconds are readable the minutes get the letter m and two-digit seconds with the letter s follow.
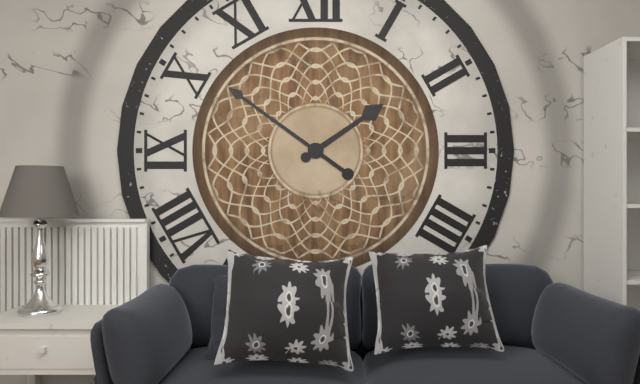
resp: 1h51
